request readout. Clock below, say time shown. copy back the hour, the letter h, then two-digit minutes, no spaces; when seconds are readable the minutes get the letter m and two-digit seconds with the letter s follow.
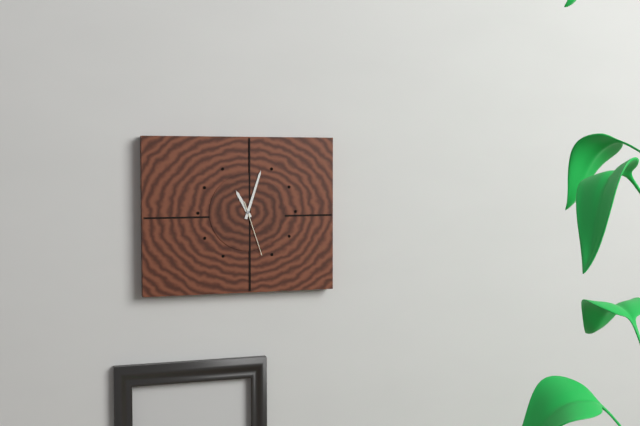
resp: 11h03m27s
